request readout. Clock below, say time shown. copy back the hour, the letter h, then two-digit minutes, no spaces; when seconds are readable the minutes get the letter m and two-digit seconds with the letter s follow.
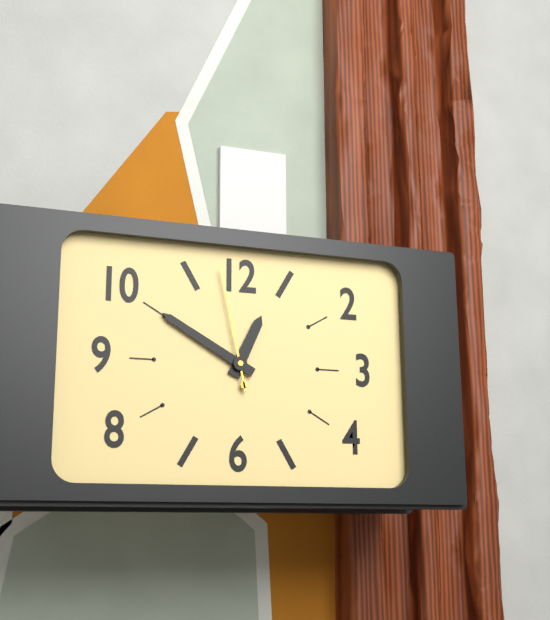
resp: 12h50m58s
